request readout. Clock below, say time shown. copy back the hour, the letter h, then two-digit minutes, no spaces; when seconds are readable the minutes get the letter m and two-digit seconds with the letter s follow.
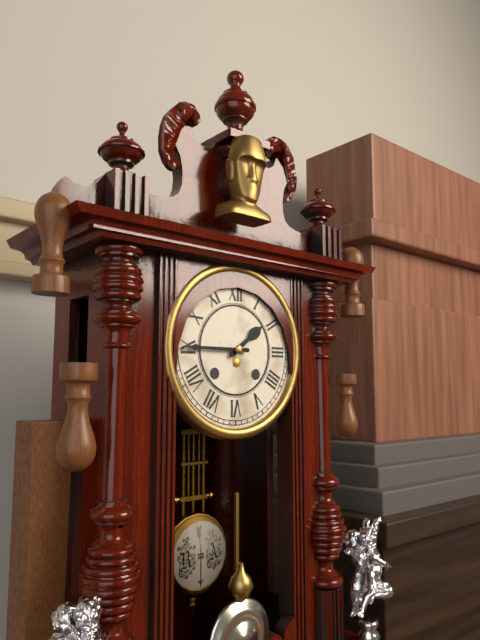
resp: 1h45
